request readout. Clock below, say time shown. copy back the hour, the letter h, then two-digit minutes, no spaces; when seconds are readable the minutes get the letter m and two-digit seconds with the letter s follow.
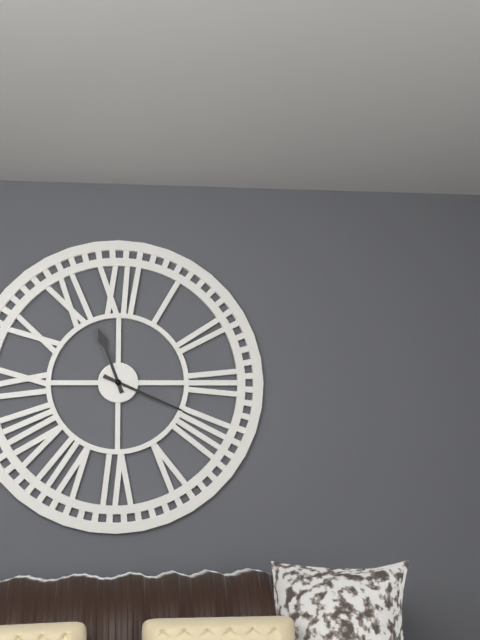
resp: 11h19
